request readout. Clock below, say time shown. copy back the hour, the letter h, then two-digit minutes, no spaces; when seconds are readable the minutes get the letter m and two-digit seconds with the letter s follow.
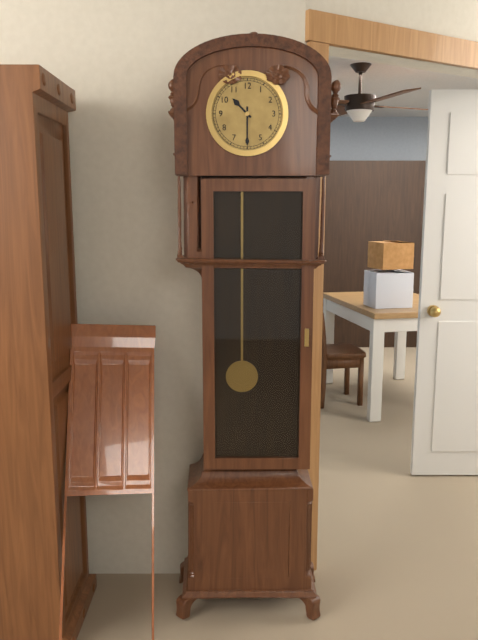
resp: 10h30
